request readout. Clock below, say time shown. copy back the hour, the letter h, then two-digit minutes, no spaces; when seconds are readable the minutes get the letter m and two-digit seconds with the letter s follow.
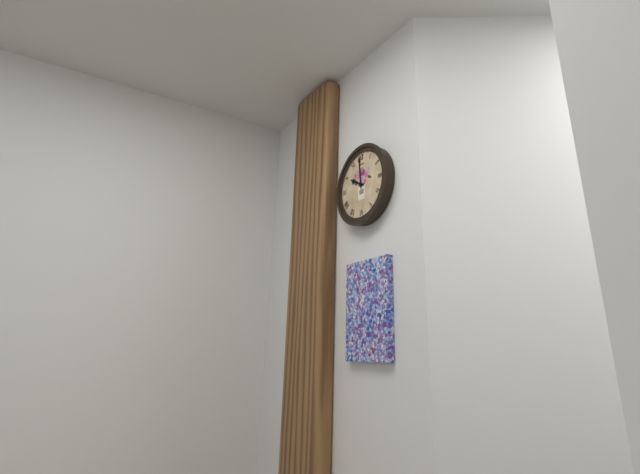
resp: 9h59
